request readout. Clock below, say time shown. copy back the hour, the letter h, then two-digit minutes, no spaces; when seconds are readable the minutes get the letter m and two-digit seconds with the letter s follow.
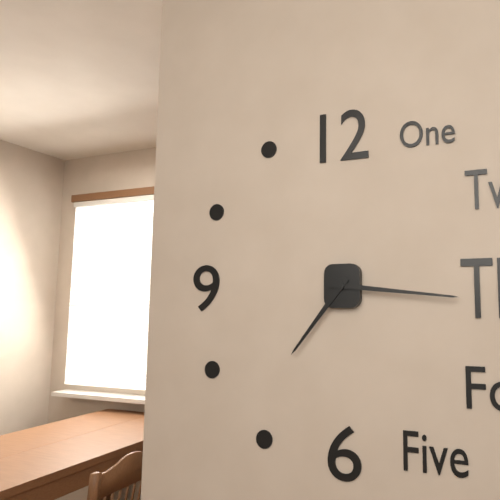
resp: 7h16
